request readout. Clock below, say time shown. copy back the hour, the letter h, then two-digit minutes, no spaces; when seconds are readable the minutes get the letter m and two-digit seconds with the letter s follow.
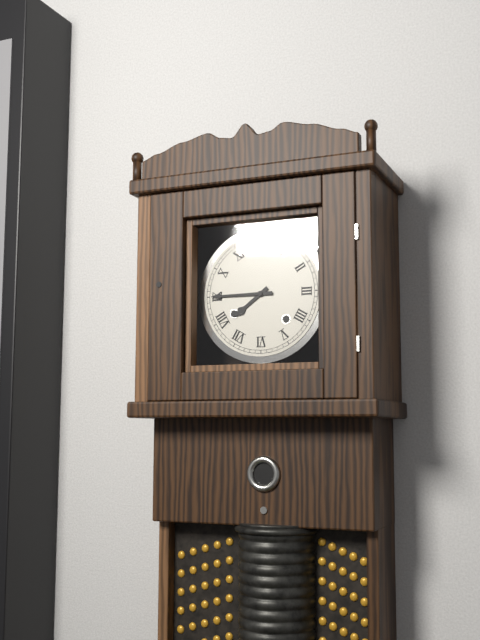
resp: 7h45
